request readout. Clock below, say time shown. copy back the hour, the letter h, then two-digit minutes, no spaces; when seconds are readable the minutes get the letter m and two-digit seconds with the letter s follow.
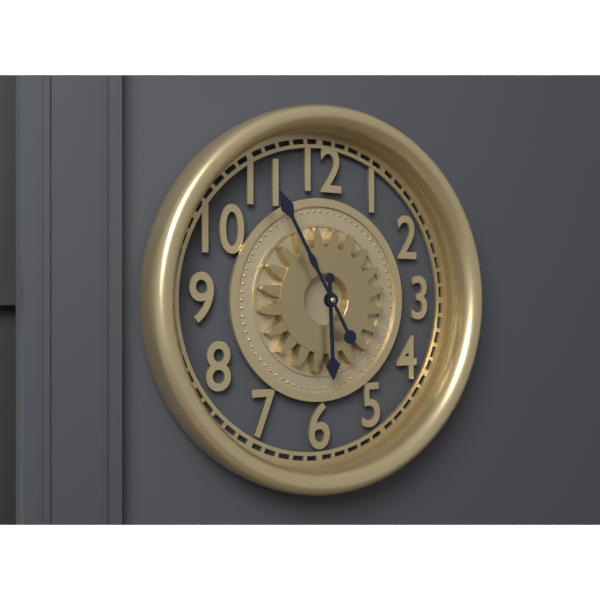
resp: 5h55
